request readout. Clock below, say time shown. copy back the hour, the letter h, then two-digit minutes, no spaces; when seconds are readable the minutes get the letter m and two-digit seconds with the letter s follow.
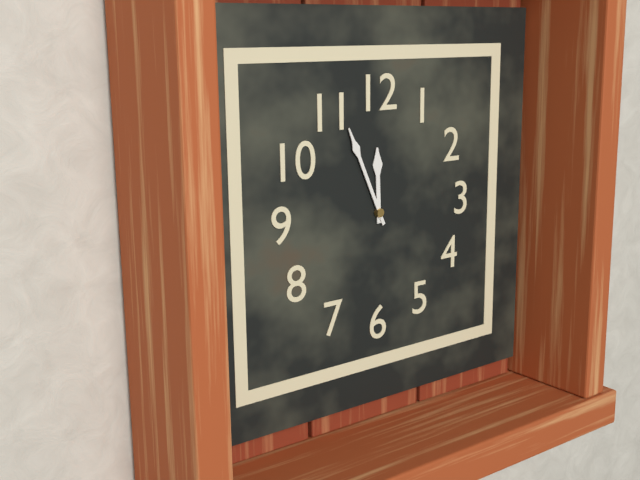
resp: 11h56
